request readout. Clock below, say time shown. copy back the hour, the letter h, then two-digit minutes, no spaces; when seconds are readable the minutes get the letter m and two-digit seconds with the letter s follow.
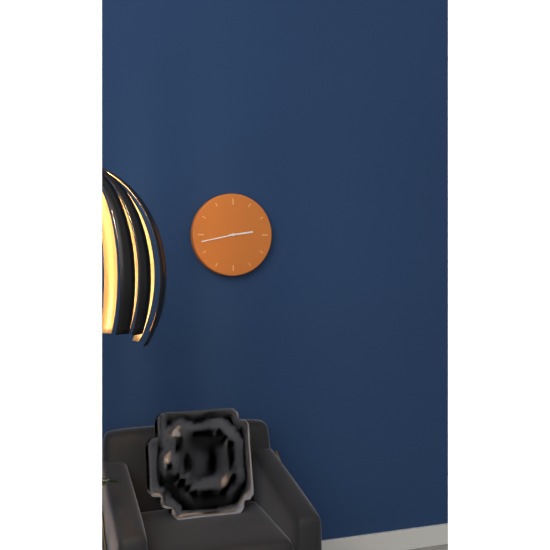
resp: 2h43
